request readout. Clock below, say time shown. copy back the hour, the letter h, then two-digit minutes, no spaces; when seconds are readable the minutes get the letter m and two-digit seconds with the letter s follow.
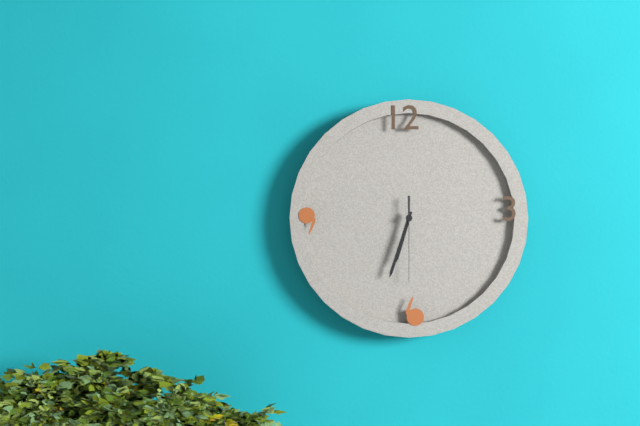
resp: 6h33m30s
